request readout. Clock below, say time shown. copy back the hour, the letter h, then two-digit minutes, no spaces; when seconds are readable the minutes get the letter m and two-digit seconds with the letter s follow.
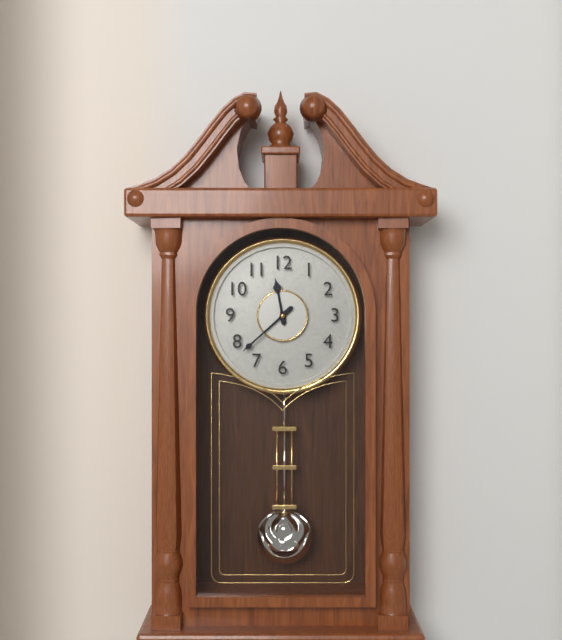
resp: 11h38
